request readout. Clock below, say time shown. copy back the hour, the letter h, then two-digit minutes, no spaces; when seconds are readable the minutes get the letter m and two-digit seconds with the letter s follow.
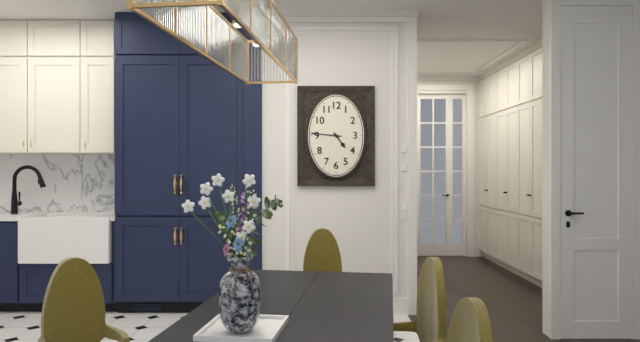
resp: 4h46
